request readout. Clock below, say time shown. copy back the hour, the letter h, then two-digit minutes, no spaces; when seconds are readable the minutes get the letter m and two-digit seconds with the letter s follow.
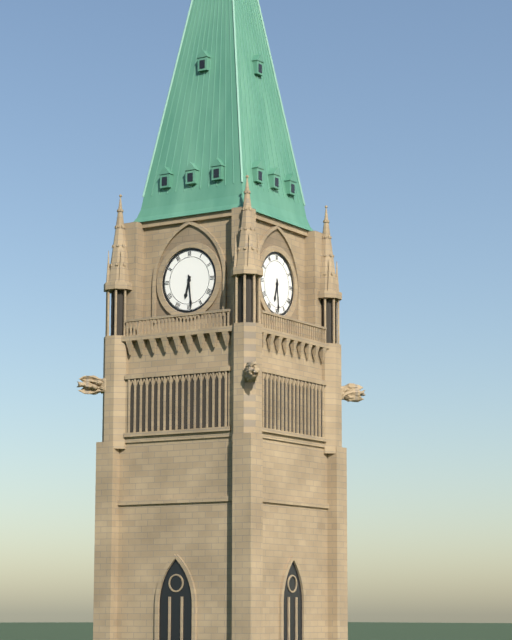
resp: 6h29
